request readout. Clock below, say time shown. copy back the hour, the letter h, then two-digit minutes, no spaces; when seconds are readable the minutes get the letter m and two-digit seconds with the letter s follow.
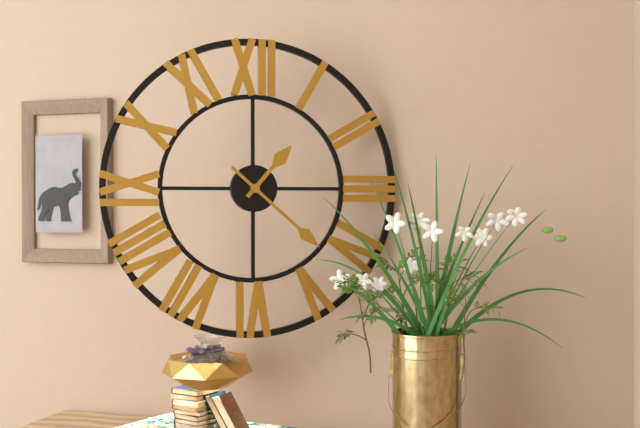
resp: 1h22
